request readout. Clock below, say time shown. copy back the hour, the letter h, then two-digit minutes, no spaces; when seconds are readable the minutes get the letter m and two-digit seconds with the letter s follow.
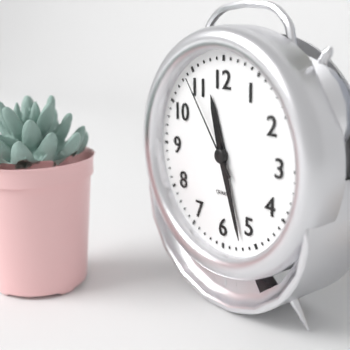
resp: 11h27m54s
